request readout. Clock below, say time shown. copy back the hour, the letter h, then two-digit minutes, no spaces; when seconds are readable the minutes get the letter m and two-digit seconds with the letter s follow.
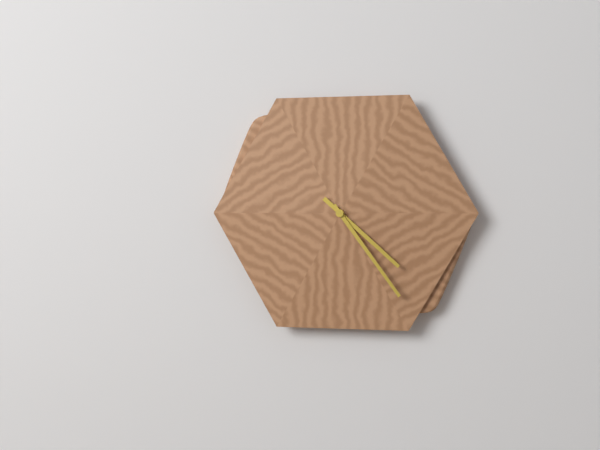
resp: 4h24
